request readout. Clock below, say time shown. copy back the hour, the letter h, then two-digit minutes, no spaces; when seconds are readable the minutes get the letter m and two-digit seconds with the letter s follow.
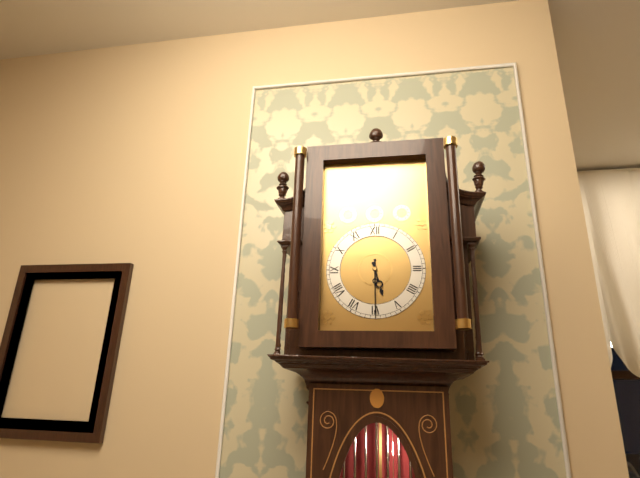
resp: 5h30
